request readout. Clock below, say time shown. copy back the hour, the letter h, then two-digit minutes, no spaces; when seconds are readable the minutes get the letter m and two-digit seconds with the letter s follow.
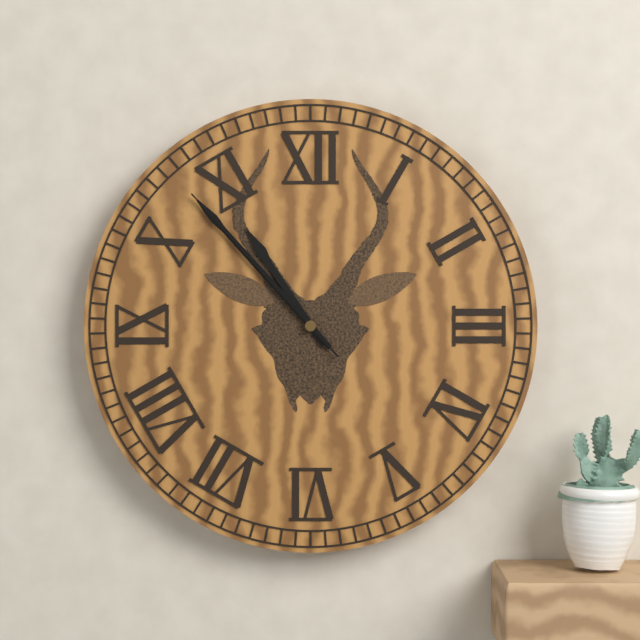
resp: 10h53m53s
